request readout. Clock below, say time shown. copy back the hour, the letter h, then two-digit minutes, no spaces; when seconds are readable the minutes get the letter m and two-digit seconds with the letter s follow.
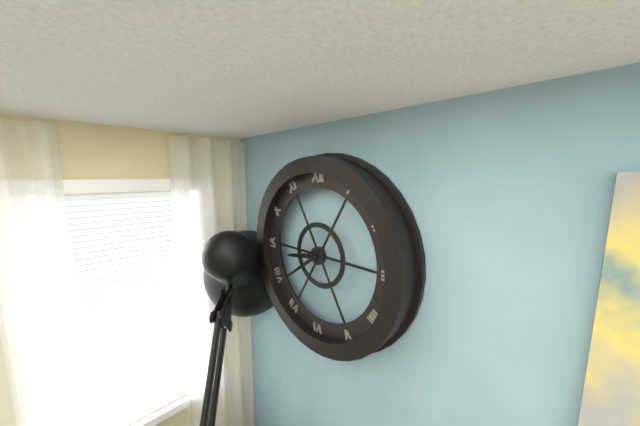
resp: 8h39
